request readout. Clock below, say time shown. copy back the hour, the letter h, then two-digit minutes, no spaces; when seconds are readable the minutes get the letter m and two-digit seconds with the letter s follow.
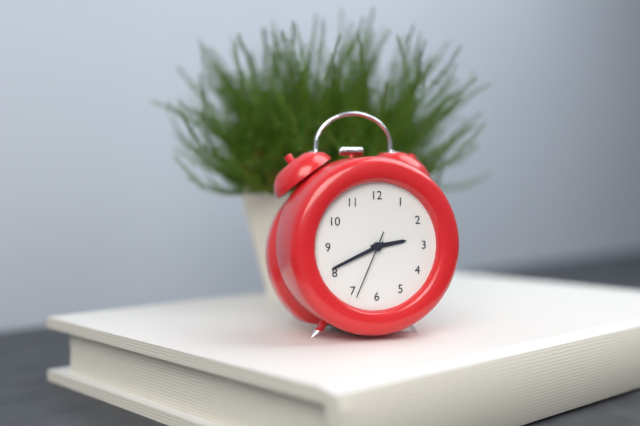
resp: 2h41m34s
